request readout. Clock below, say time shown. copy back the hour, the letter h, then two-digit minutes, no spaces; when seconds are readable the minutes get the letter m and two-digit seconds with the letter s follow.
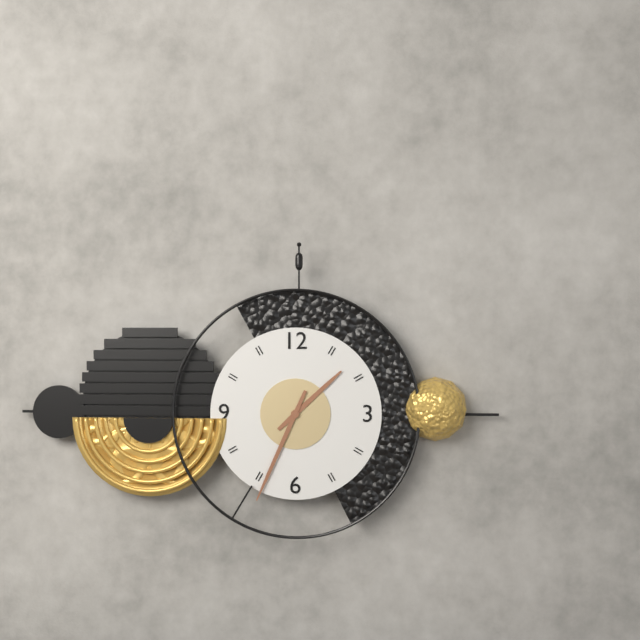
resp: 1h34
